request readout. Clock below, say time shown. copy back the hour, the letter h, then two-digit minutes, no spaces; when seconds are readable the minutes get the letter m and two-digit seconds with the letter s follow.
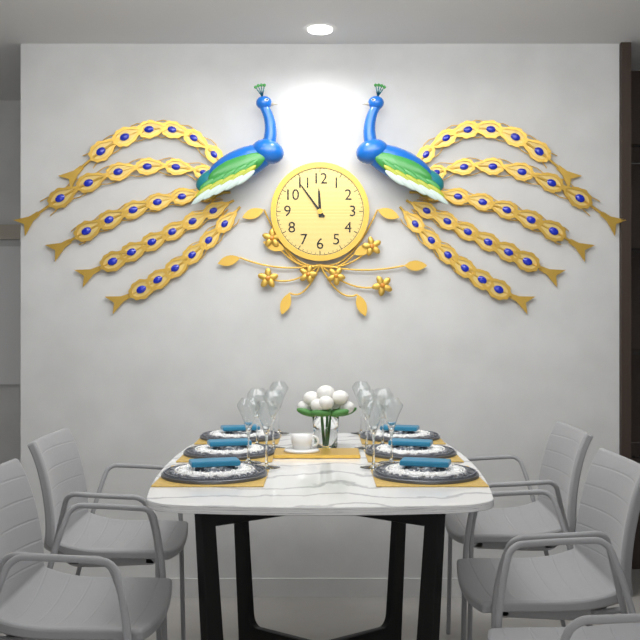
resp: 11h54
